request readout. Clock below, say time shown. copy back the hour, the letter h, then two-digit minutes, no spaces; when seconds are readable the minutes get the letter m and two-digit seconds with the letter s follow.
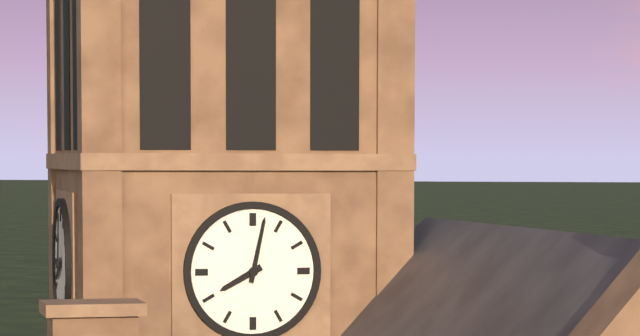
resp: 8h02
